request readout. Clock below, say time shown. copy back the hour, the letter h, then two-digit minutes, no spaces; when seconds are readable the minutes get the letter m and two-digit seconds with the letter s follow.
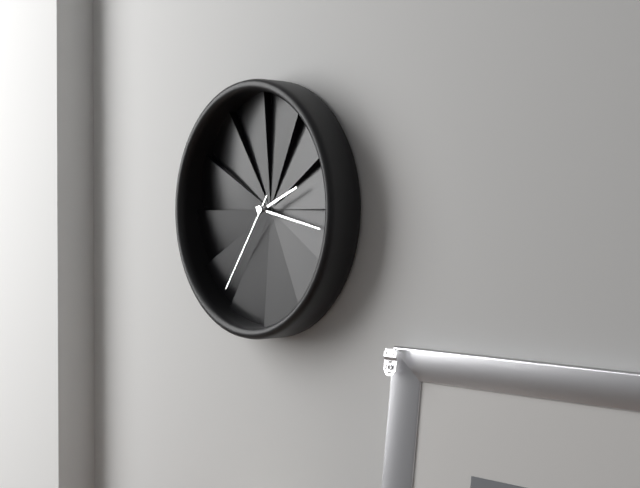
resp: 2h17m36s
